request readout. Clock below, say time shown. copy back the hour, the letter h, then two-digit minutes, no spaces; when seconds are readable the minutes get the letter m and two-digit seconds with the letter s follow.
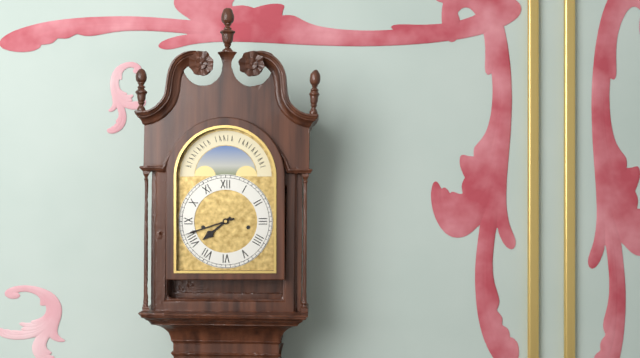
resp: 7h42
